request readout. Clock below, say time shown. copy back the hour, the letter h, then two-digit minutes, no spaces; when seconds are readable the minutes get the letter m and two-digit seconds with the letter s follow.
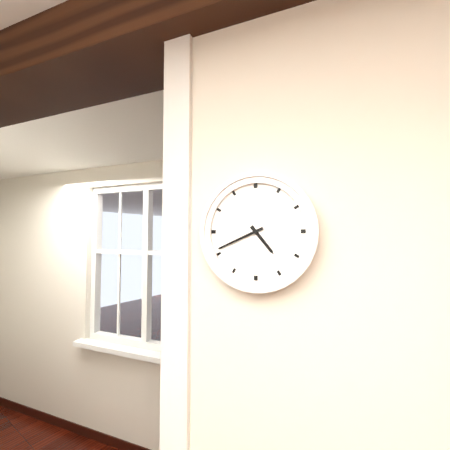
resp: 4h41
